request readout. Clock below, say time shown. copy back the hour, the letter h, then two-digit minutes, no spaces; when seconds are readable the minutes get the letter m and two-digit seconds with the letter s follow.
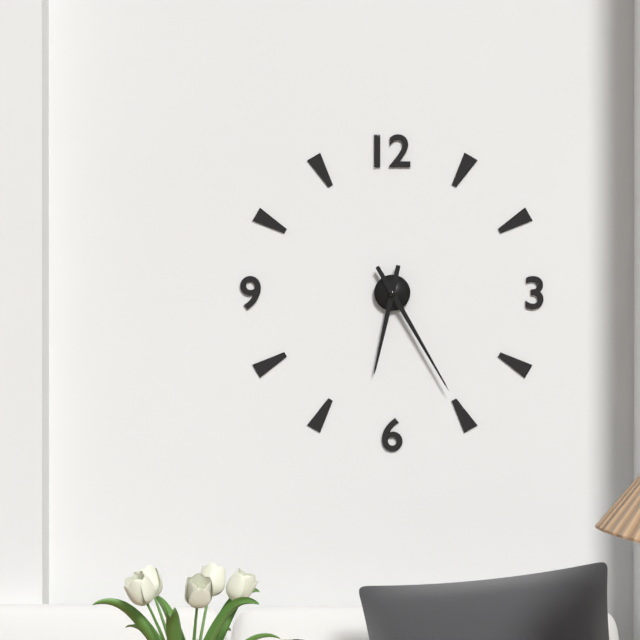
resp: 6h25
